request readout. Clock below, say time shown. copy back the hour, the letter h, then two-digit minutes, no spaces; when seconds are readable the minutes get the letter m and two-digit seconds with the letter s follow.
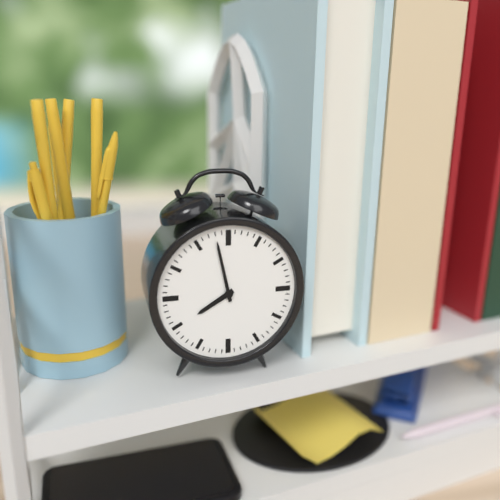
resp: 7h58
